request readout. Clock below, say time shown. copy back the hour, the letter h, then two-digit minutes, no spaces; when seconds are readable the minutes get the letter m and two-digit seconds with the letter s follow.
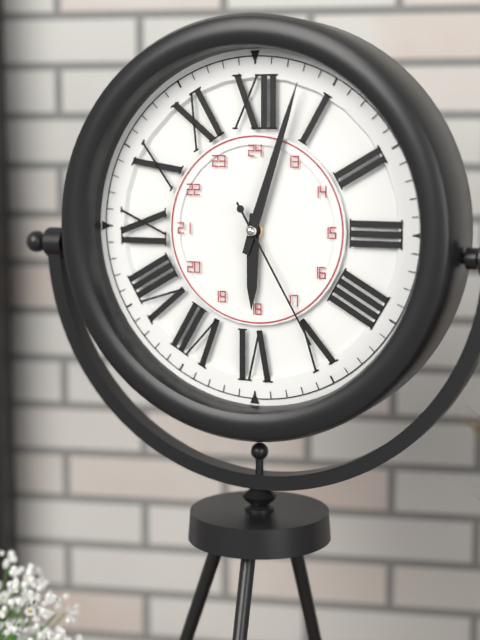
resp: 6h03m25s
